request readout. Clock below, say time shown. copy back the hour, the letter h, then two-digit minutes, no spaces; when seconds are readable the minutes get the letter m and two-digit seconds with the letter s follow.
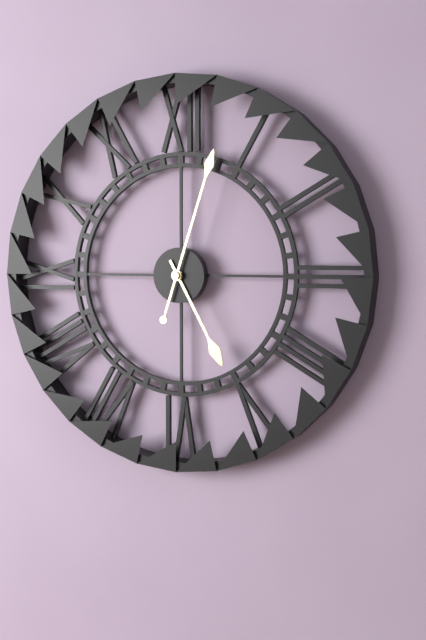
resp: 5h03
